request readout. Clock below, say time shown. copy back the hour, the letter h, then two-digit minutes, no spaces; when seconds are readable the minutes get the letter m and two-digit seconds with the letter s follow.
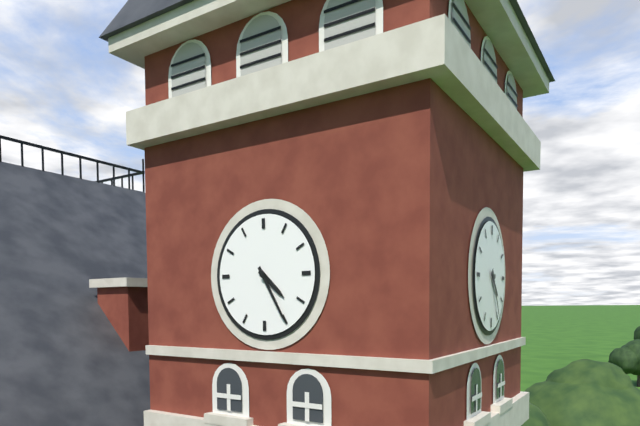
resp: 4h25
